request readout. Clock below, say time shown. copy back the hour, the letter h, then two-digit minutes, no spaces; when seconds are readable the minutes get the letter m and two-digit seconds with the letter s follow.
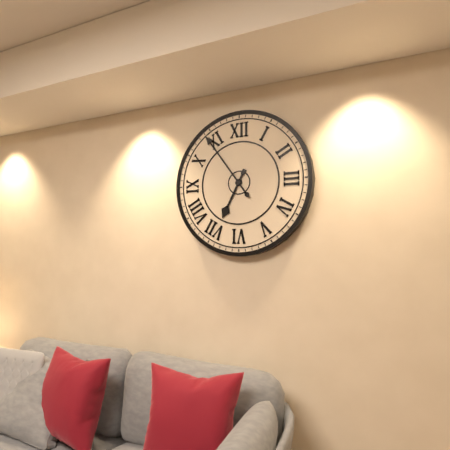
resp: 6h54
